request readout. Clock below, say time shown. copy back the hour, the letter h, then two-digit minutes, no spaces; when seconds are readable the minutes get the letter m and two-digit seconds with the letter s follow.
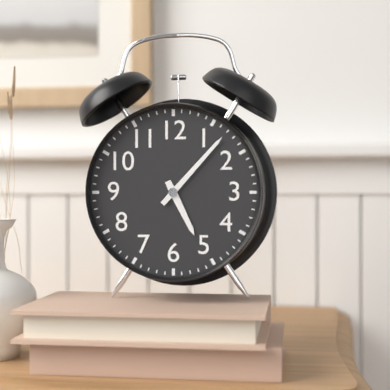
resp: 5h07
